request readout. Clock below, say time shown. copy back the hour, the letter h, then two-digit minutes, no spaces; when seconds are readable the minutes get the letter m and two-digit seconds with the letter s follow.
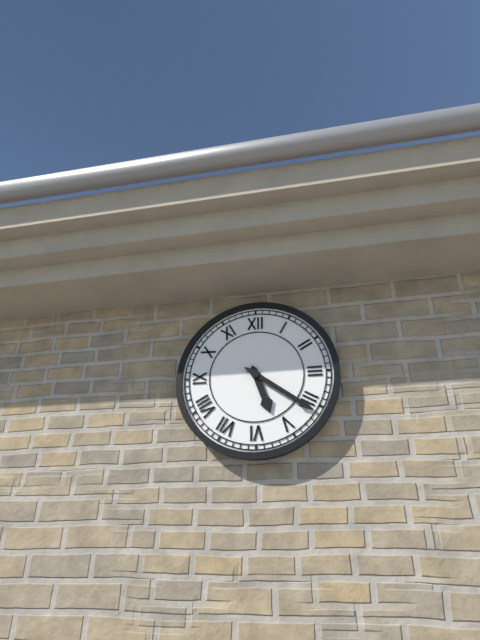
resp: 5h21
